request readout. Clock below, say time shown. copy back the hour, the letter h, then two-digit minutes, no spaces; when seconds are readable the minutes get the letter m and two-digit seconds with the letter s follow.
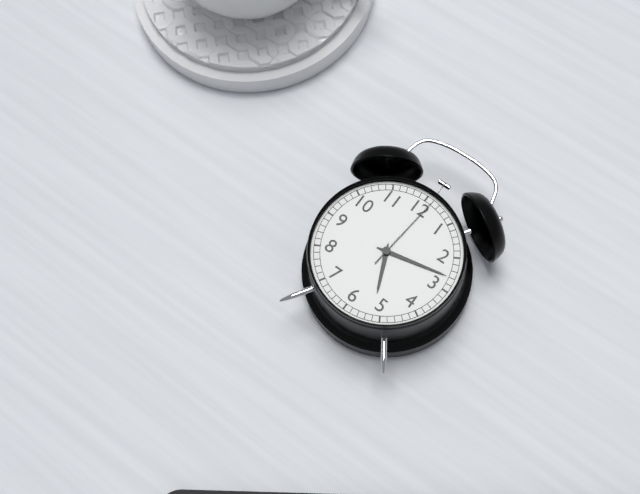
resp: 5h13m01s
